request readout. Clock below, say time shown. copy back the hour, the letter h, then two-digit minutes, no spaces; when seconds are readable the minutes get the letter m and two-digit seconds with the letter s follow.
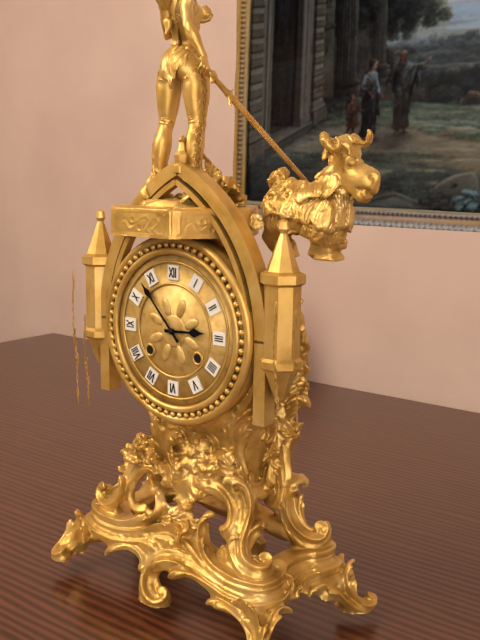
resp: 2h53
